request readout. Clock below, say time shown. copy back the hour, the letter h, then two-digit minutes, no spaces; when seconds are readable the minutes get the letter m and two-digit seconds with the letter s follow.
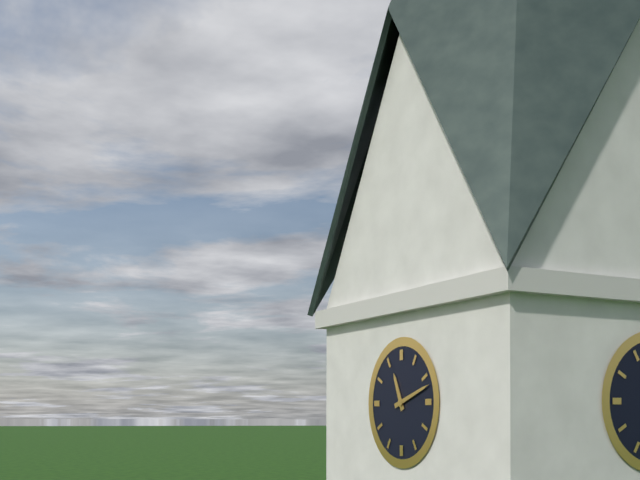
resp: 11h12
